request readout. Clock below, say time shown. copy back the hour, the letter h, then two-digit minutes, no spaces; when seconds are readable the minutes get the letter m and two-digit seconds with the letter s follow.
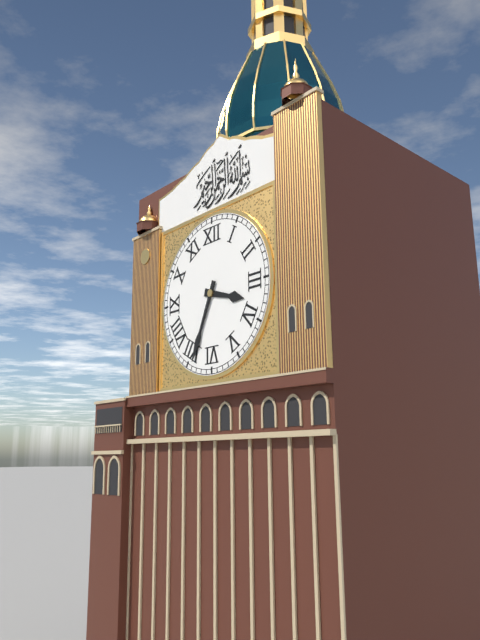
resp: 3h34
